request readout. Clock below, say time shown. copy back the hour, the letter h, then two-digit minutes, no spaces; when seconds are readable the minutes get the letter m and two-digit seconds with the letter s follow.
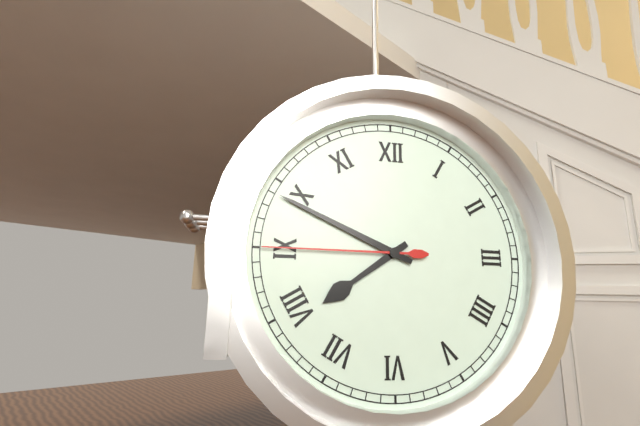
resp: 7h49m45s
